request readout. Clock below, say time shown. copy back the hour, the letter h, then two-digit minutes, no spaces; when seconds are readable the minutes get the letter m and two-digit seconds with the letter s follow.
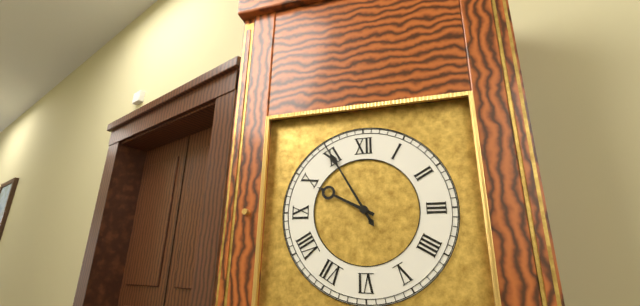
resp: 9h55
